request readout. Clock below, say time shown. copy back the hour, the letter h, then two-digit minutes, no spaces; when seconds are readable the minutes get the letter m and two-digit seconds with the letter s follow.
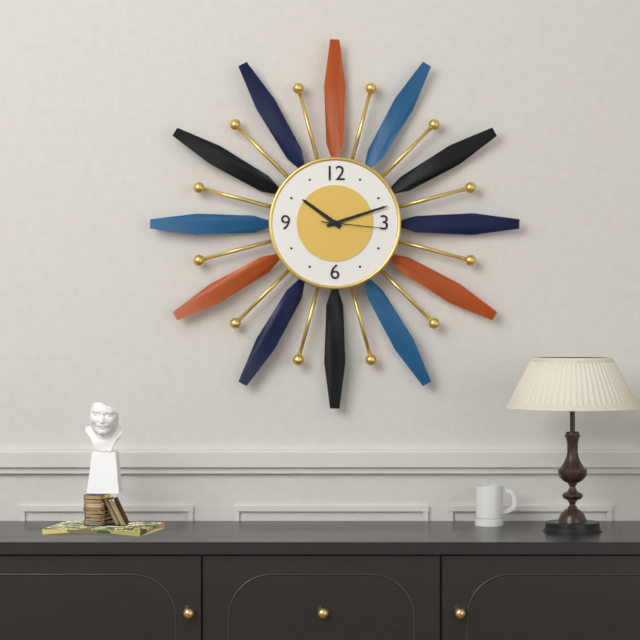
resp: 10h12m16s
